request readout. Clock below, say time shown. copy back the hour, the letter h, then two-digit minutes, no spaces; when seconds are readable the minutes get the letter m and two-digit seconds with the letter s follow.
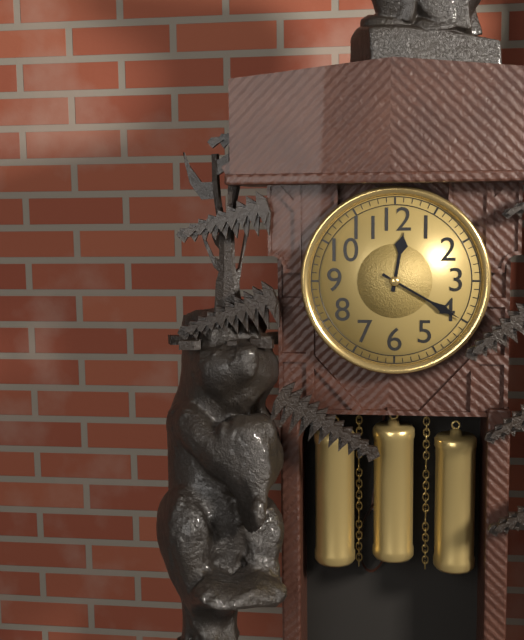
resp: 12h20
